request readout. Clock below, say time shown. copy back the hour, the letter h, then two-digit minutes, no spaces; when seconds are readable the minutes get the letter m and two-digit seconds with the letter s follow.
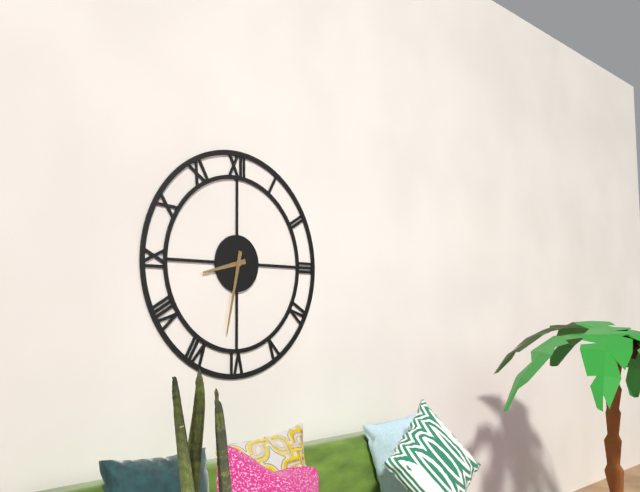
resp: 8h32
